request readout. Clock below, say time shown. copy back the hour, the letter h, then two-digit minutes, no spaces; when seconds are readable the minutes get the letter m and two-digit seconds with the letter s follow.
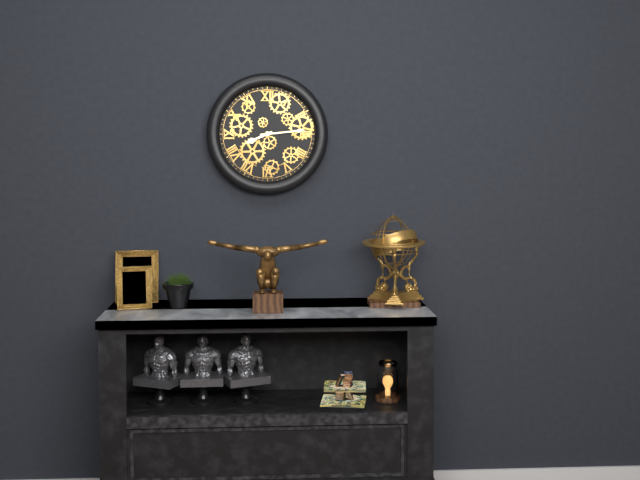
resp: 8h14
